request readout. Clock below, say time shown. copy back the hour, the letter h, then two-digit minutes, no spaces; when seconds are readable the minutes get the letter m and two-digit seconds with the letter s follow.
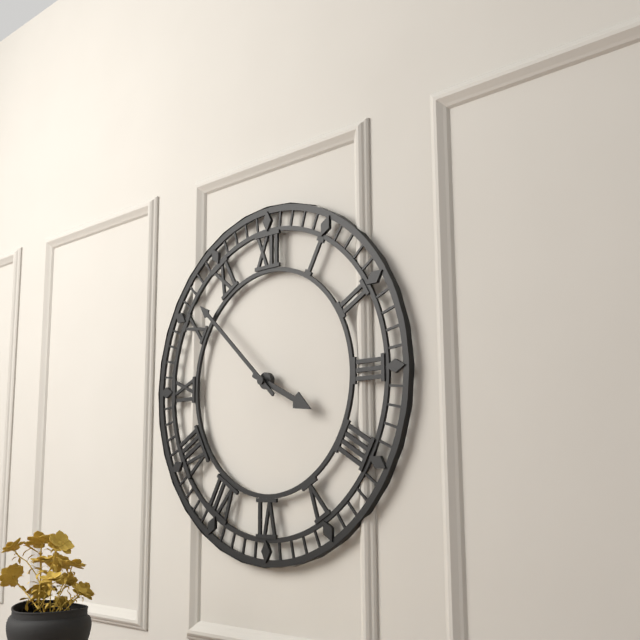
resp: 3h52
